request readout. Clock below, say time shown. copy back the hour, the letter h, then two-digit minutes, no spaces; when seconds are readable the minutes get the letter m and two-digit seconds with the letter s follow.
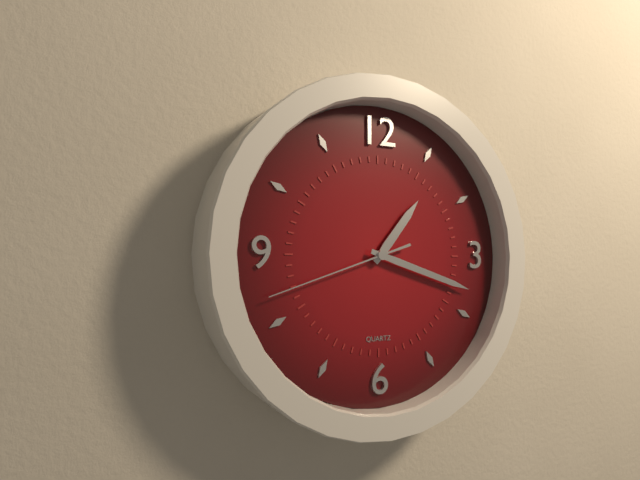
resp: 1h18m42s
